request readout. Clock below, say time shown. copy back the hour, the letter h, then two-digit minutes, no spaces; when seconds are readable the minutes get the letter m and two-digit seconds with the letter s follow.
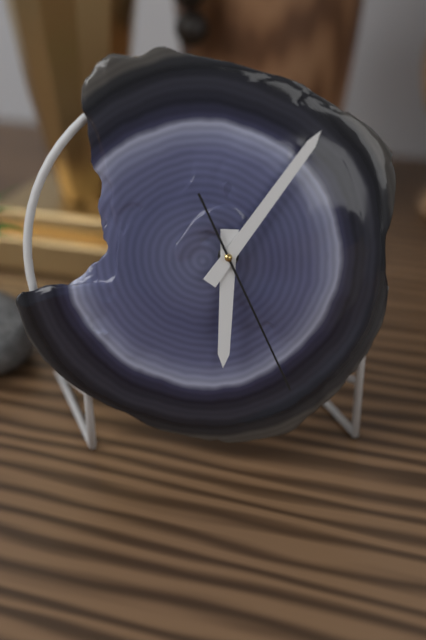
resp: 6h06m26s
